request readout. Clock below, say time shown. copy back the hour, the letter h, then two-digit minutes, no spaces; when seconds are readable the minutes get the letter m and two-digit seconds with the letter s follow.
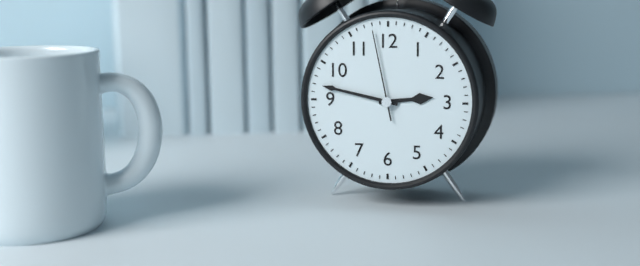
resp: 2h47m58s
